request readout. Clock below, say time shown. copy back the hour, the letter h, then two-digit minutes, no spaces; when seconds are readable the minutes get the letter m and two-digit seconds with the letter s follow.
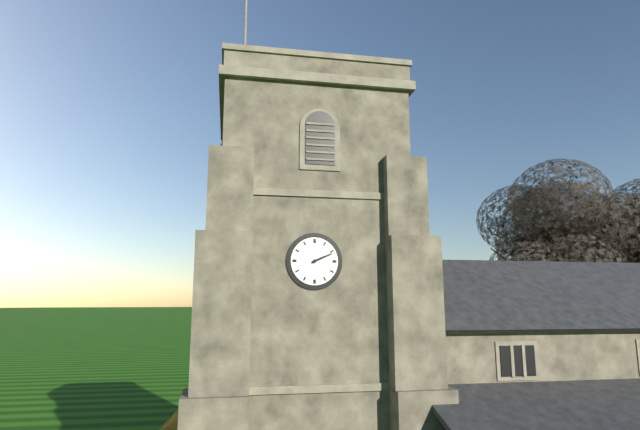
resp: 2h11
